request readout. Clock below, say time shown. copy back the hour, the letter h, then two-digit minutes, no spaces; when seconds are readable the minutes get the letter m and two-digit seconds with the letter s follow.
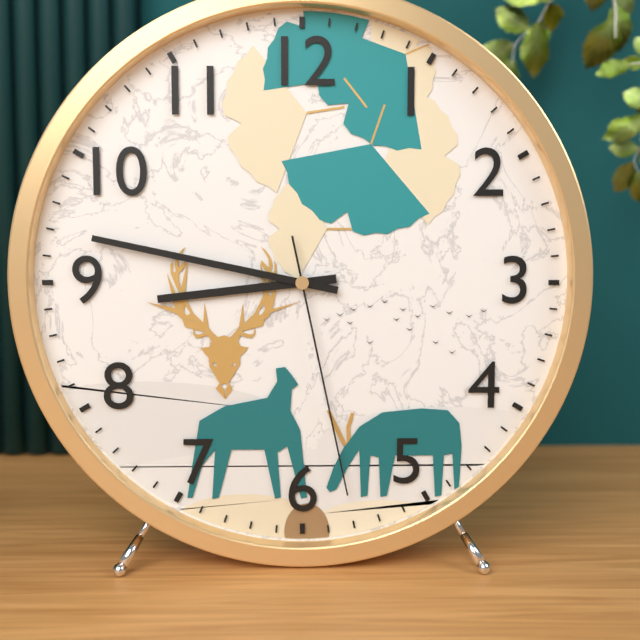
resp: 8h47m28s
